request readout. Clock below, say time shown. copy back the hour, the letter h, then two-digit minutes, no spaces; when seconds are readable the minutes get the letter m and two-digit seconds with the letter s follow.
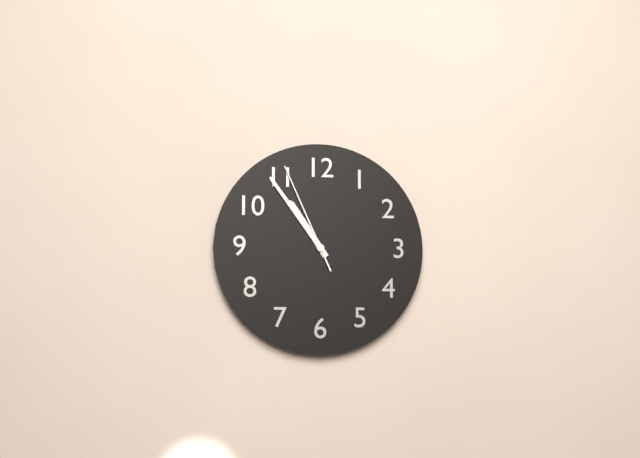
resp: 10h54m56s
